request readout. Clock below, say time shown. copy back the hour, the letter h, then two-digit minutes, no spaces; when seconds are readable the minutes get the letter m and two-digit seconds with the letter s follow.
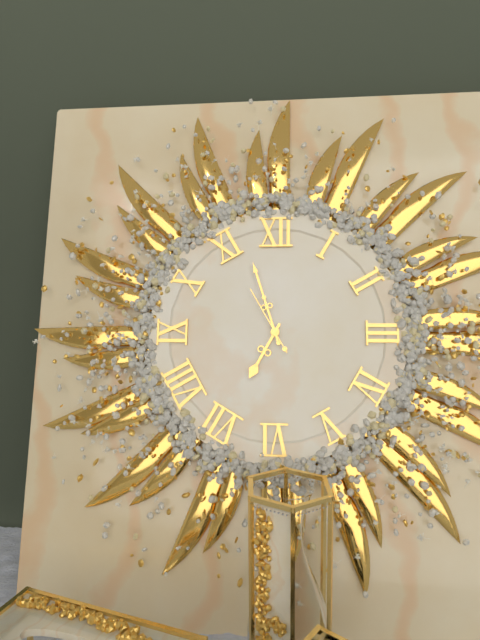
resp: 6h57m55s
